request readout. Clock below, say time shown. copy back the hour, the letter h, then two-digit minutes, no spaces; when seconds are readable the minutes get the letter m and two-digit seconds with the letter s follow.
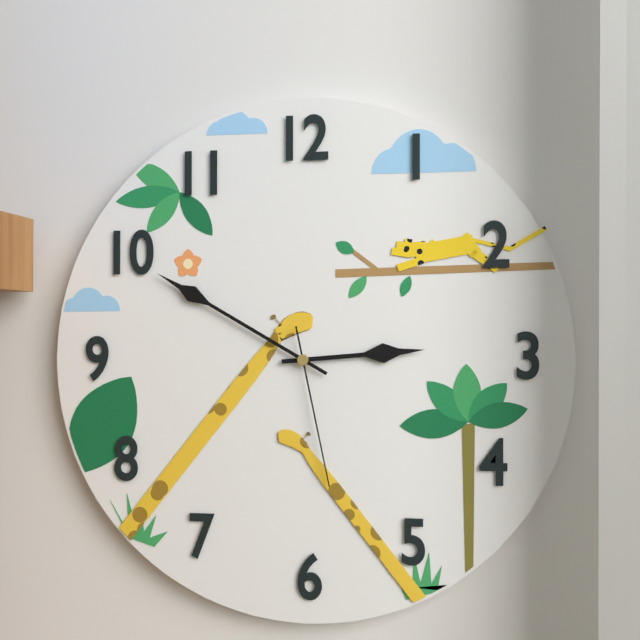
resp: 2h50m28s
